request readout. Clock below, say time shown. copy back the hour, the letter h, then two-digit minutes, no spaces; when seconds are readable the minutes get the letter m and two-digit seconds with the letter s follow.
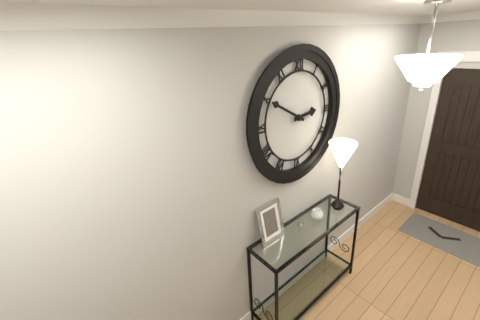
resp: 2h50
